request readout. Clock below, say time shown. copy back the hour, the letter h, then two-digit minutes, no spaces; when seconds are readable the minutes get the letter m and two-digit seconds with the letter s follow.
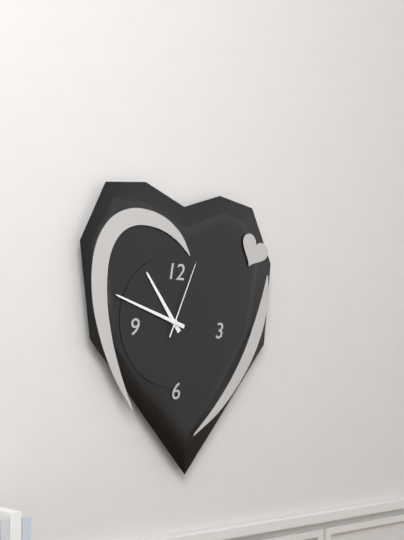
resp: 10h48m04s
